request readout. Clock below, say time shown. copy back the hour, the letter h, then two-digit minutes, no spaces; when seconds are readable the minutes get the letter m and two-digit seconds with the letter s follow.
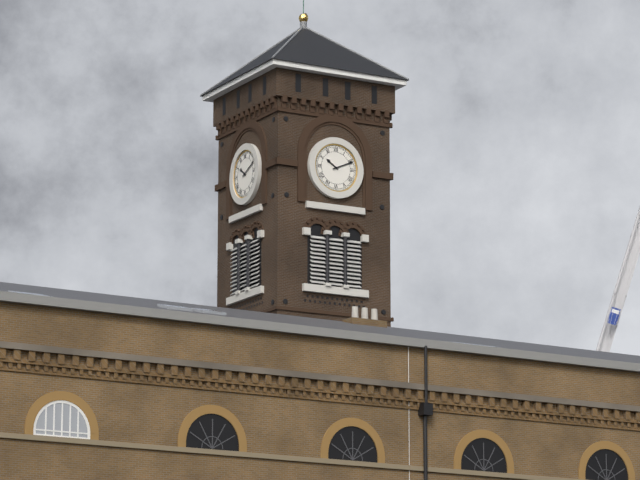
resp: 10h11
